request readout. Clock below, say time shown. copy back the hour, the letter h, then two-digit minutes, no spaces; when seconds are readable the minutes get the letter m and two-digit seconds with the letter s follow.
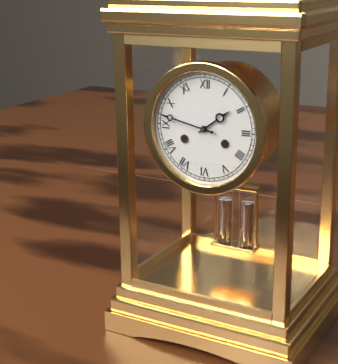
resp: 1h47
